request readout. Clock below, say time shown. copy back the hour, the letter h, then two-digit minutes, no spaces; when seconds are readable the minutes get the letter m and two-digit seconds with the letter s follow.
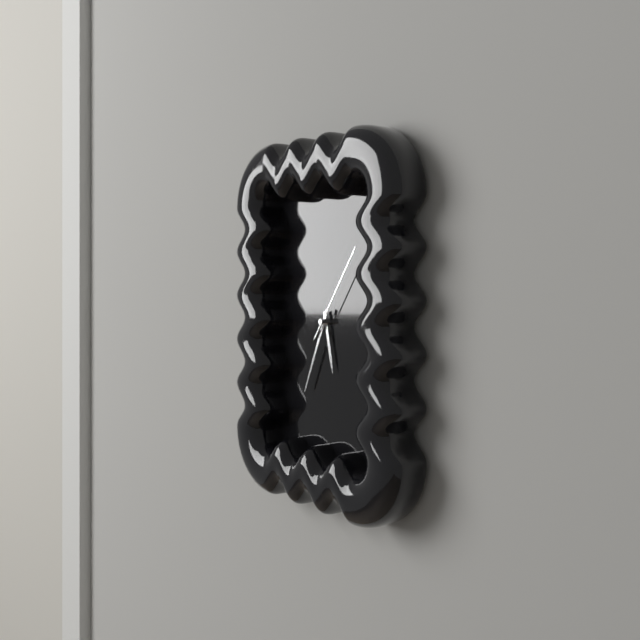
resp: 5h34m06s
